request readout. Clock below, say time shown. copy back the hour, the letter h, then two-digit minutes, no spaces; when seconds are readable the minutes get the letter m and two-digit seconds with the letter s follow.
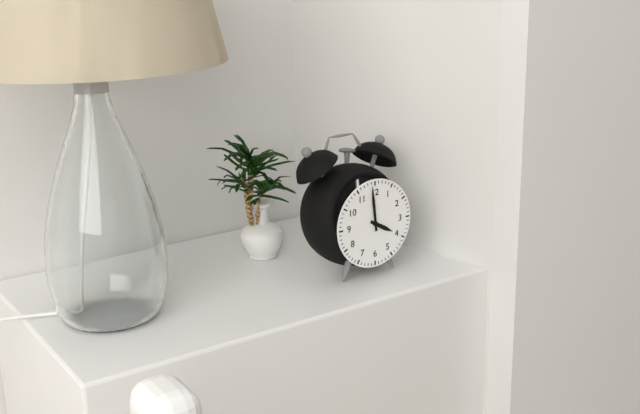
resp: 3h59
